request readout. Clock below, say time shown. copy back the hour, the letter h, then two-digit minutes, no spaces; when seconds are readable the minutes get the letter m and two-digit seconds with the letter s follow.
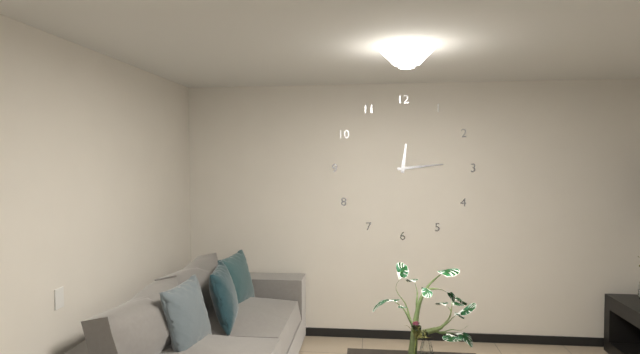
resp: 12h14
